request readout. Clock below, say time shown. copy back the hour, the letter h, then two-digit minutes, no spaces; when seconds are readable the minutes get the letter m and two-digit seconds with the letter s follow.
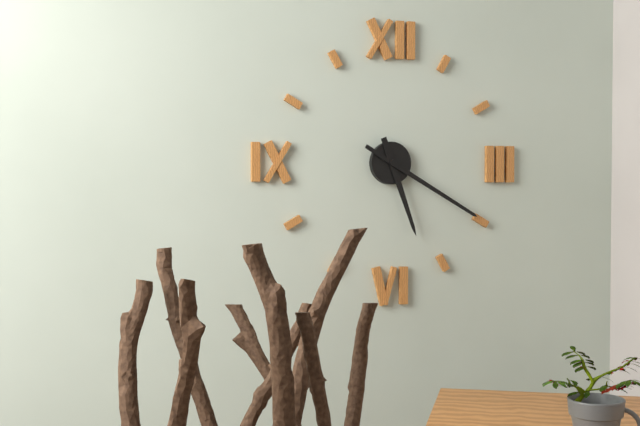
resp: 5h20
